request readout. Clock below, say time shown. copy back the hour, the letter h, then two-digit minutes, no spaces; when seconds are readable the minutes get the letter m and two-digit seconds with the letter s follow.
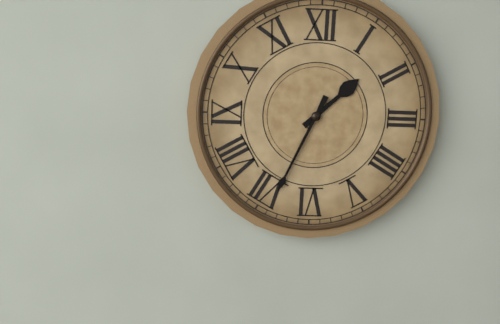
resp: 1h34
